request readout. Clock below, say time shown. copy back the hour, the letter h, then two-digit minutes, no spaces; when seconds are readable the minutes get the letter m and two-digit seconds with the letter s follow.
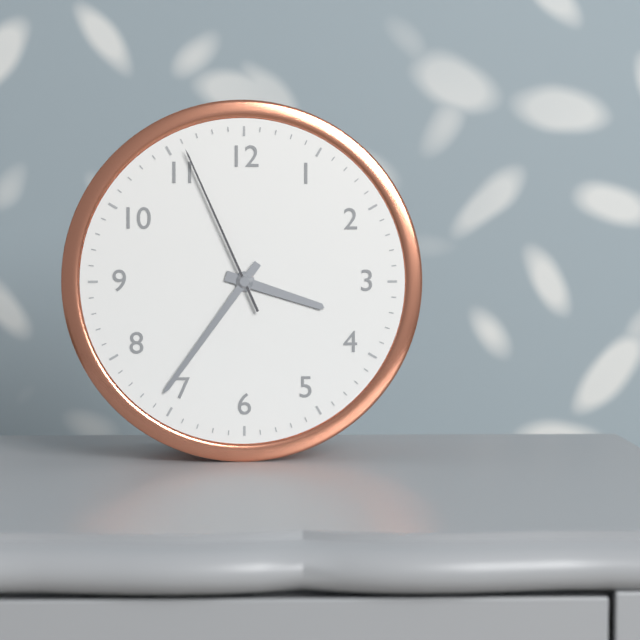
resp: 3h36m56s
